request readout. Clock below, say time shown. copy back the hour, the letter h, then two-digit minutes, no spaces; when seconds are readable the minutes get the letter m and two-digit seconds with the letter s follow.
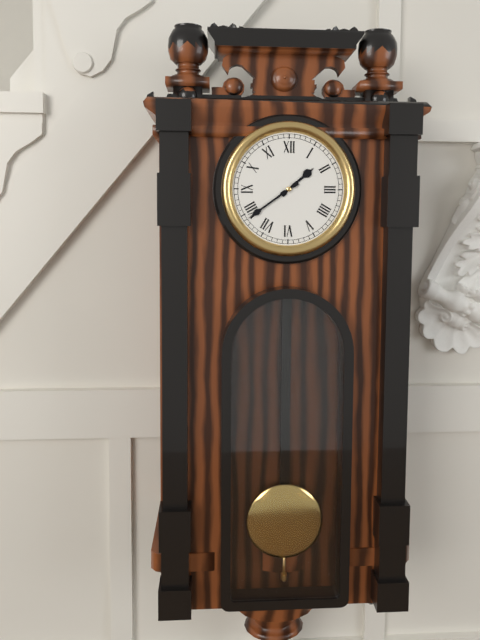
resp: 1h39
